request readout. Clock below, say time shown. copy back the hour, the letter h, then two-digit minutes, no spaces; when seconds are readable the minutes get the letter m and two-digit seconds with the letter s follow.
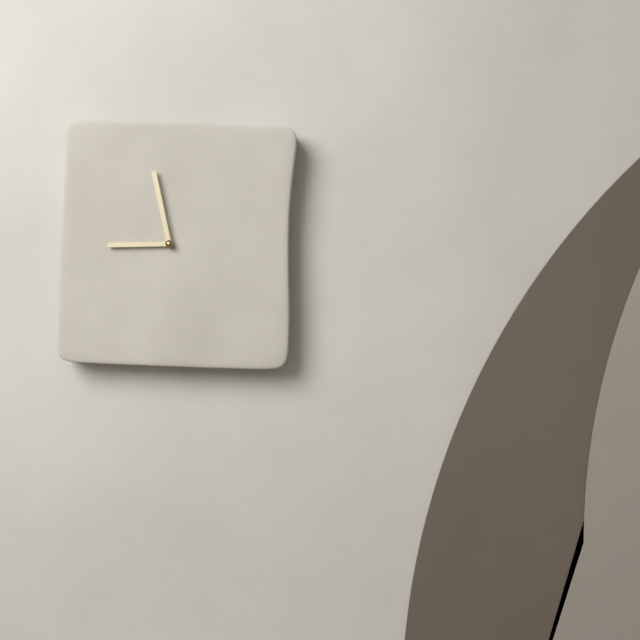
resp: 8h58
